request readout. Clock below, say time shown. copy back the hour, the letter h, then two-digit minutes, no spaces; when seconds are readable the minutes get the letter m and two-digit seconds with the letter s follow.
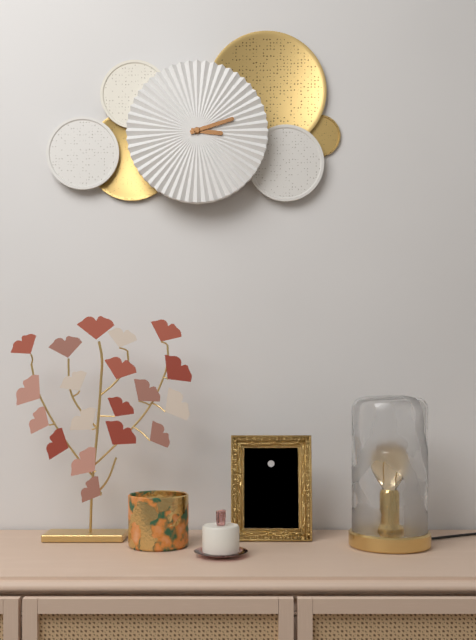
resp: 3h12
